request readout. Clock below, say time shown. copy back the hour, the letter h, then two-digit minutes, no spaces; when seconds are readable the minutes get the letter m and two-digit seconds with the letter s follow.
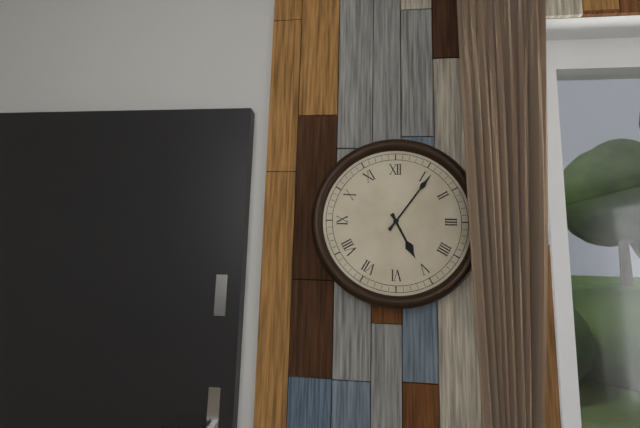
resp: 5h06
